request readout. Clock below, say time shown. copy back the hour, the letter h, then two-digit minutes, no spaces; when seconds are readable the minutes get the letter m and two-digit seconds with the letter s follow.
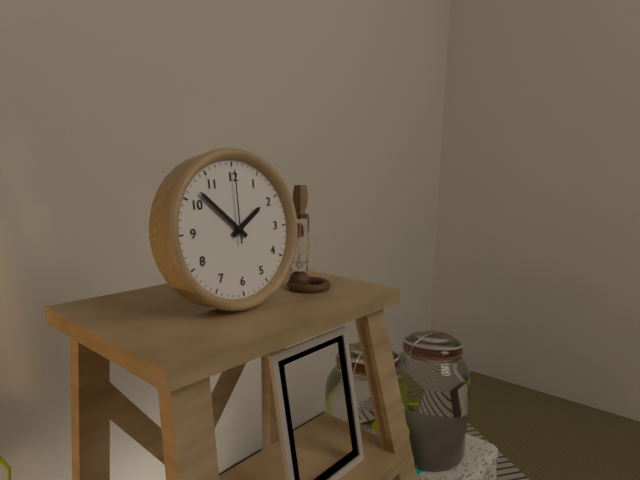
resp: 1h52m00s
